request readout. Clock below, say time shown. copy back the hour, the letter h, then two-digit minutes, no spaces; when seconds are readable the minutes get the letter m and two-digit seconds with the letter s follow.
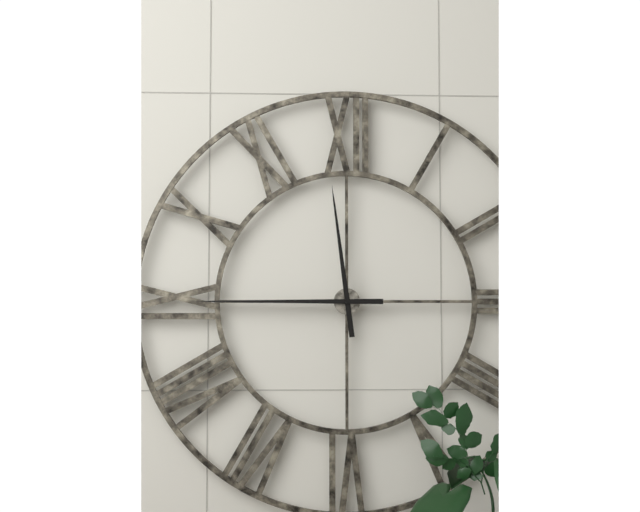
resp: 11h45
